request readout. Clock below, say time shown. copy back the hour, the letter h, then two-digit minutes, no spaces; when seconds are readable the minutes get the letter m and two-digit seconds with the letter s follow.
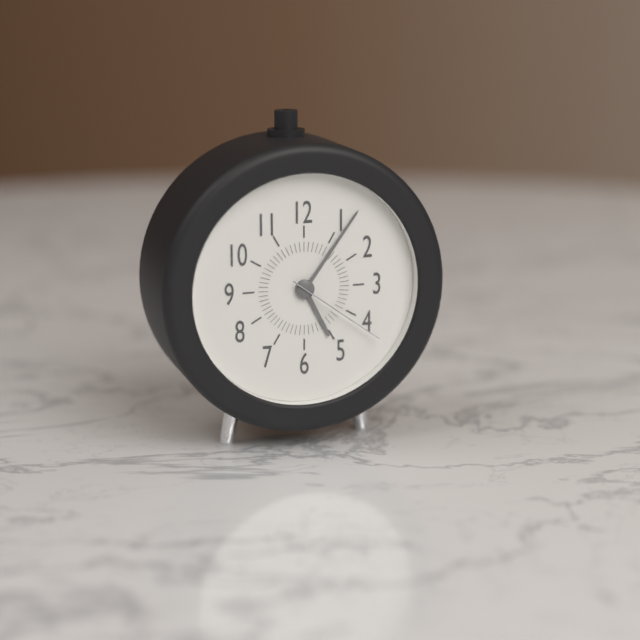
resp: 5h06m21s
